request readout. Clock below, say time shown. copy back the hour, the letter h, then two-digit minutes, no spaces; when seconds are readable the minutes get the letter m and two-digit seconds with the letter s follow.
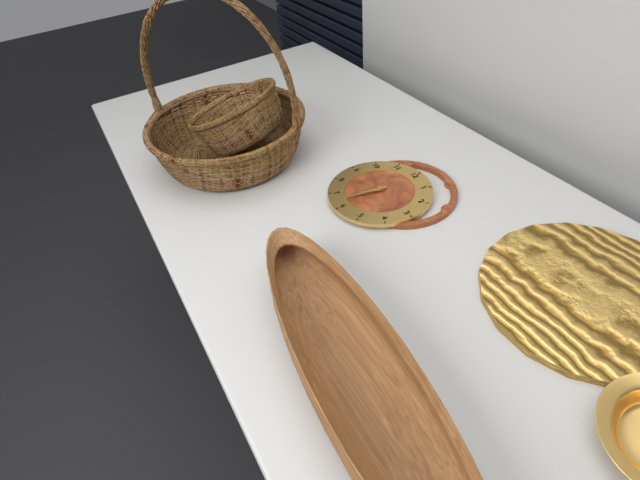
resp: 6h32
